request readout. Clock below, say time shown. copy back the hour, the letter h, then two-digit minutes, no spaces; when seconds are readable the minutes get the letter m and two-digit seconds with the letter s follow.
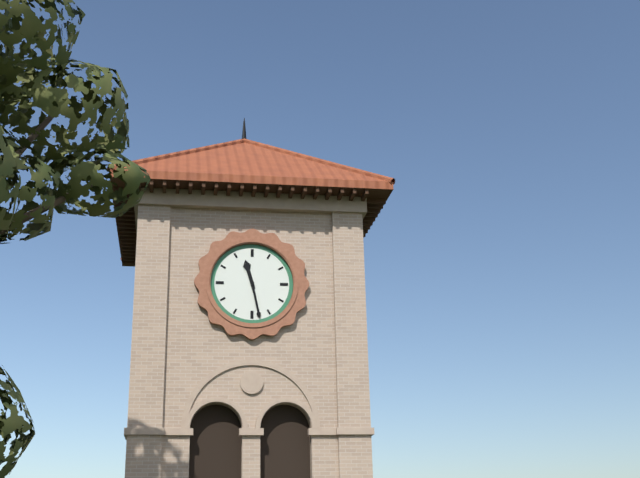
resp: 11h28
